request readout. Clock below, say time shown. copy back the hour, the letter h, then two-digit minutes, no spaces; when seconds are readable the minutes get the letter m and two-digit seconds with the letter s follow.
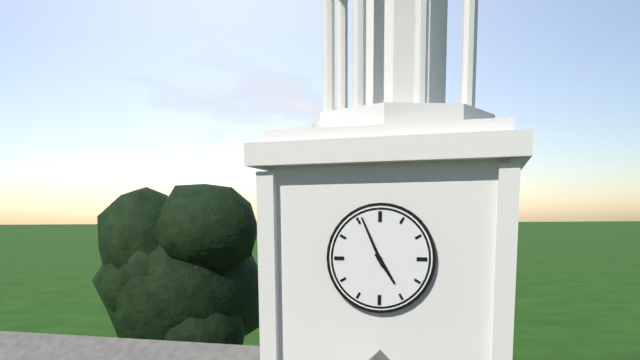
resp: 4h56
